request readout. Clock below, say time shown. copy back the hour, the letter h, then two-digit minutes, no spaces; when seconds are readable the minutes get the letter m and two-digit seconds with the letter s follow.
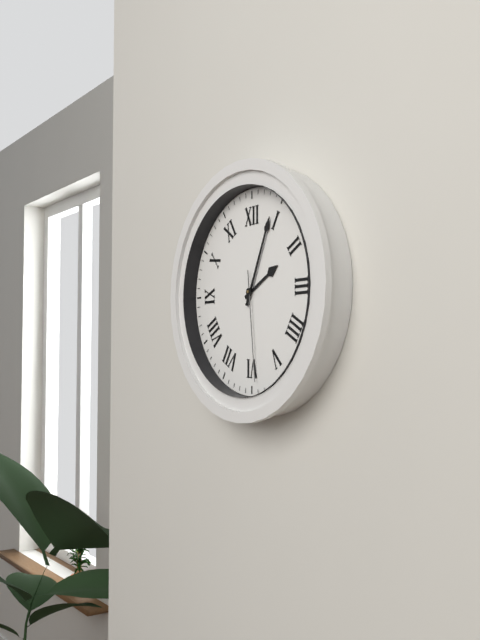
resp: 2h04m29s
